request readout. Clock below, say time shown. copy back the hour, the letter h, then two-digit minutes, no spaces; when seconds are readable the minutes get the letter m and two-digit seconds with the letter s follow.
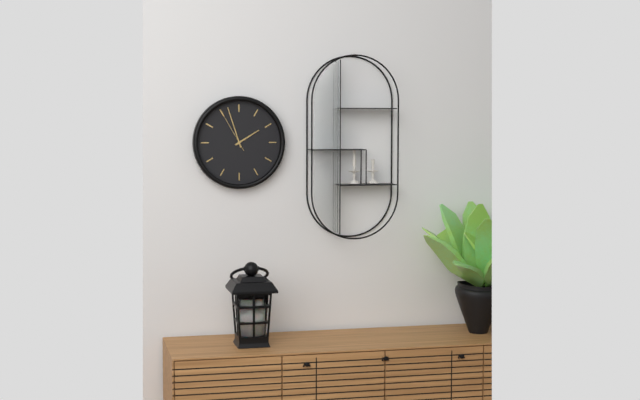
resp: 1h57
